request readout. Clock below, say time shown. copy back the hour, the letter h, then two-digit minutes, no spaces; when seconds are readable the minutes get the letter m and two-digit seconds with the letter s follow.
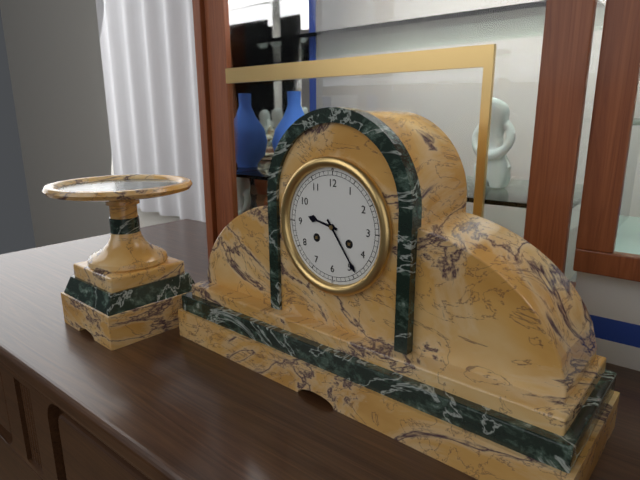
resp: 9h24
